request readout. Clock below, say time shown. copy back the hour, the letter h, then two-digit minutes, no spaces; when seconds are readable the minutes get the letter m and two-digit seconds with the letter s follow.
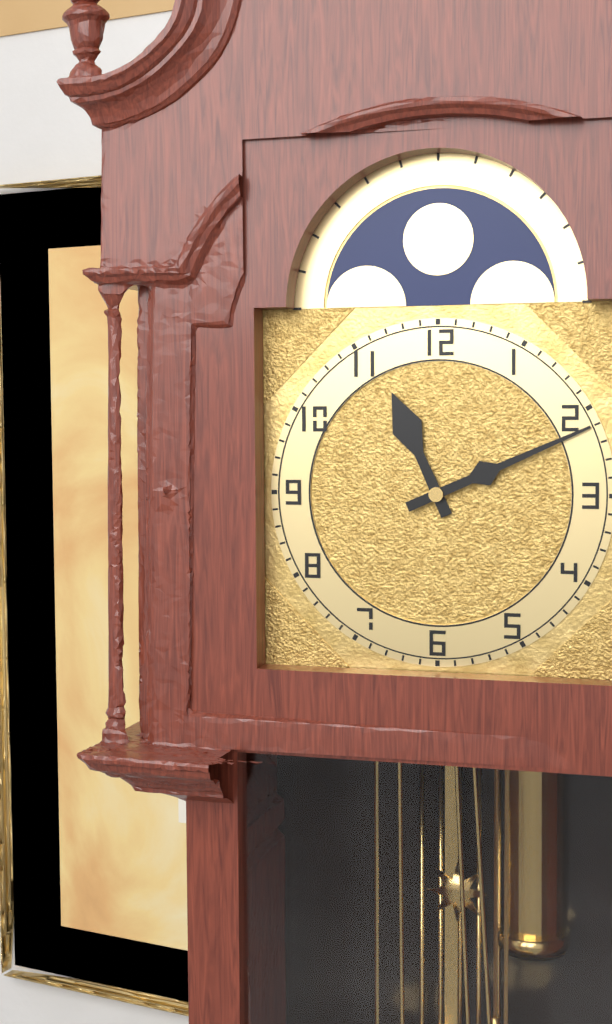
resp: 11h11
